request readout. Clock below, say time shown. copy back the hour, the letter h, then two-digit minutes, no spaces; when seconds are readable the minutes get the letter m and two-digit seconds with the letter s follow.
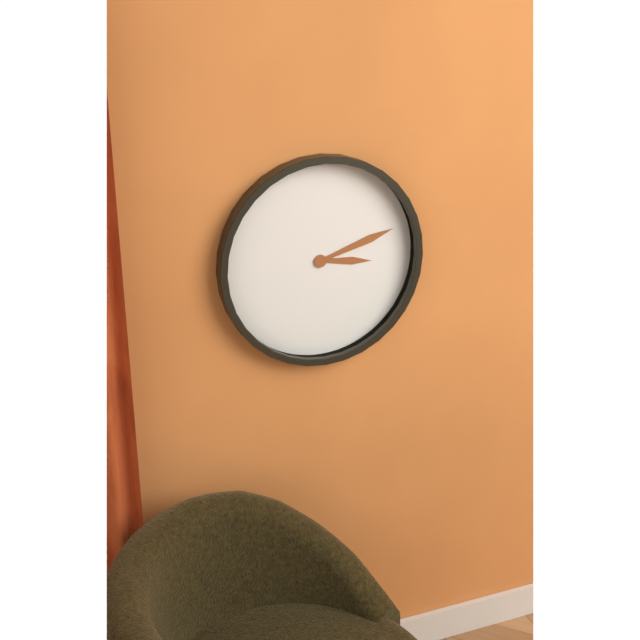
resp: 3h12
